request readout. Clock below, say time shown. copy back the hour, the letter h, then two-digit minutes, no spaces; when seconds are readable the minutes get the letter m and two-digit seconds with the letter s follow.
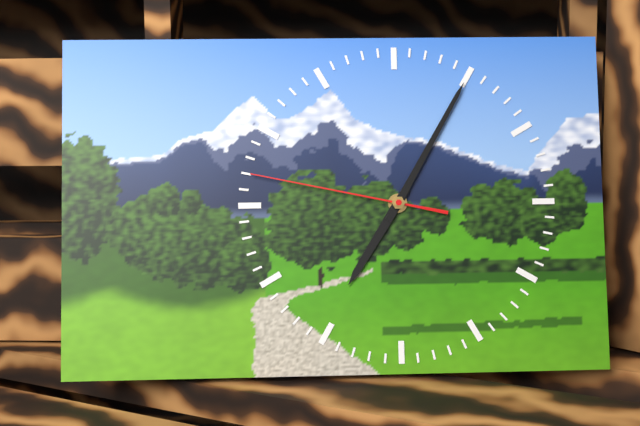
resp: 7h05m47s
